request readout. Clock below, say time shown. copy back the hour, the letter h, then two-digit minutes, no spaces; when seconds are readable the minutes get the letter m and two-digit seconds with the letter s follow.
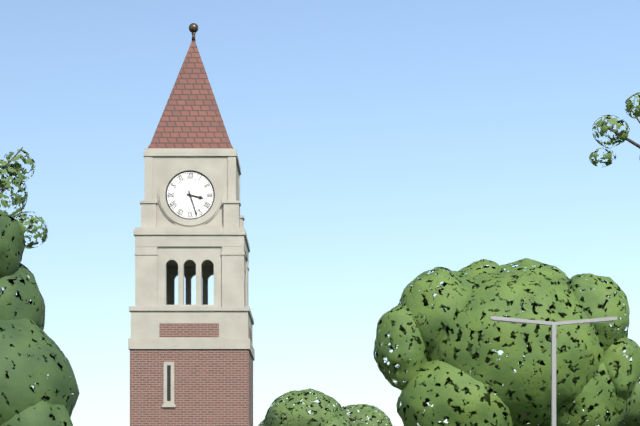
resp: 3h27
